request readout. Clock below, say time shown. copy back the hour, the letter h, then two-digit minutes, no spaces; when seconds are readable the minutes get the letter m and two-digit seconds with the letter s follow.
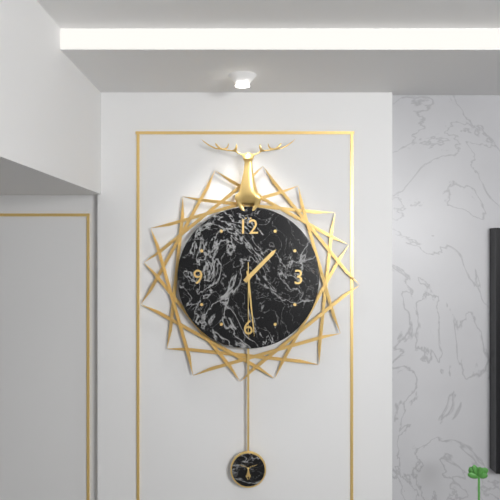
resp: 1h29m30s
